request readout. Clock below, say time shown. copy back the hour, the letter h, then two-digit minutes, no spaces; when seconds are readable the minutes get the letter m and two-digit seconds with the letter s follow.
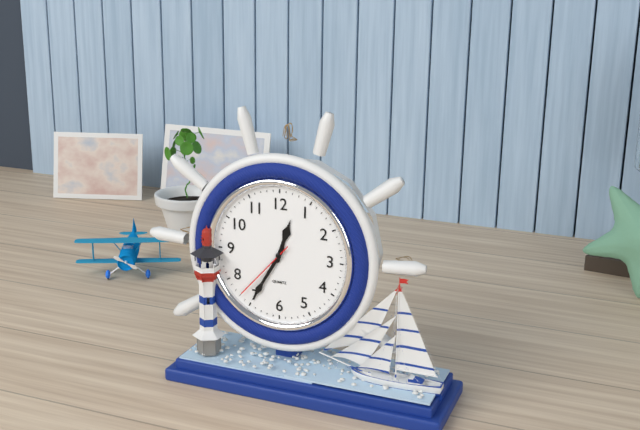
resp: 12h35m37s
